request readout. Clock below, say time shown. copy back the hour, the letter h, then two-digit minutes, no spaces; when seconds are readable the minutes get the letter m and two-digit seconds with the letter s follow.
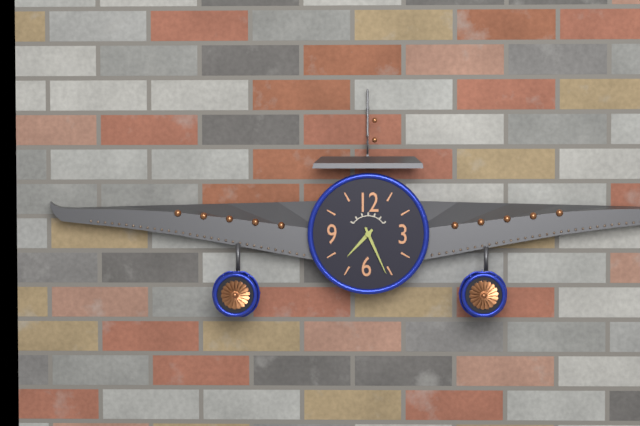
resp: 7h26
